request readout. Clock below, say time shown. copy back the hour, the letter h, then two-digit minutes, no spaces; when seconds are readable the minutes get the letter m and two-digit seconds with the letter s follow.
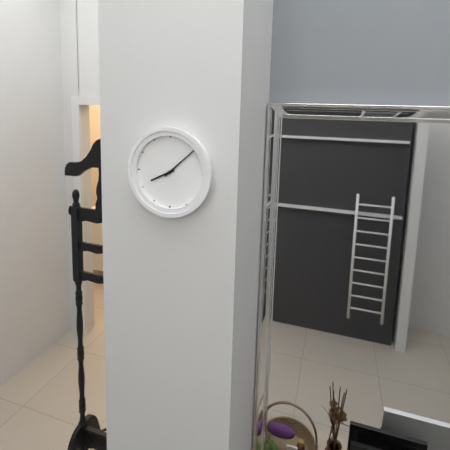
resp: 8h08
